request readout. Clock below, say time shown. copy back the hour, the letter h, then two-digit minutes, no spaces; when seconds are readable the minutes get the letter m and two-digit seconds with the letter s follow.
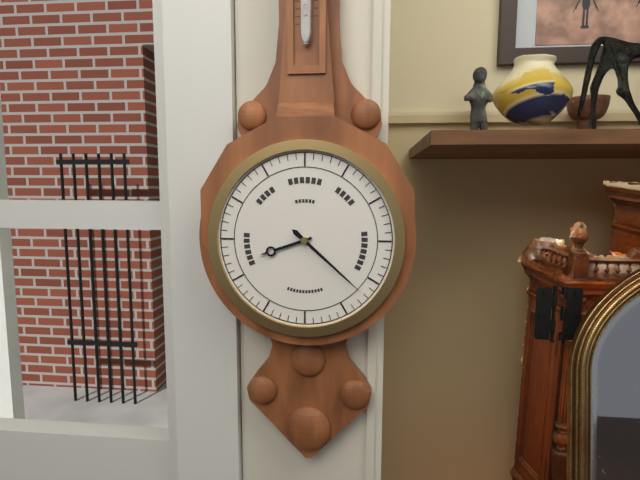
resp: 8h22
